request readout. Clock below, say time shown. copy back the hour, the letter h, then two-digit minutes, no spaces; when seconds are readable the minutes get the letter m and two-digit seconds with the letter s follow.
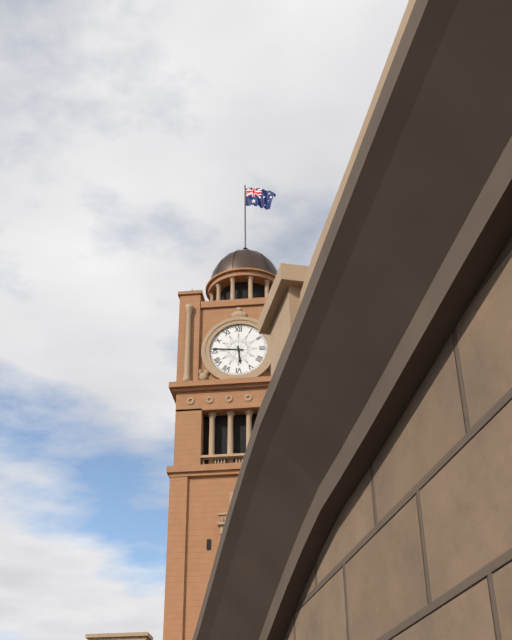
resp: 5h46
